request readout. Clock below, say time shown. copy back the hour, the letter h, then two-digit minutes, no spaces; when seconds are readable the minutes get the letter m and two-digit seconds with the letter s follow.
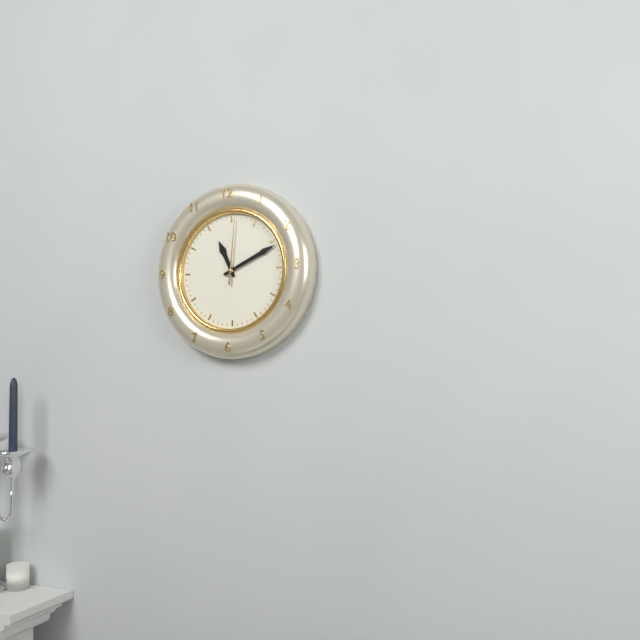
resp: 11h11m01s
